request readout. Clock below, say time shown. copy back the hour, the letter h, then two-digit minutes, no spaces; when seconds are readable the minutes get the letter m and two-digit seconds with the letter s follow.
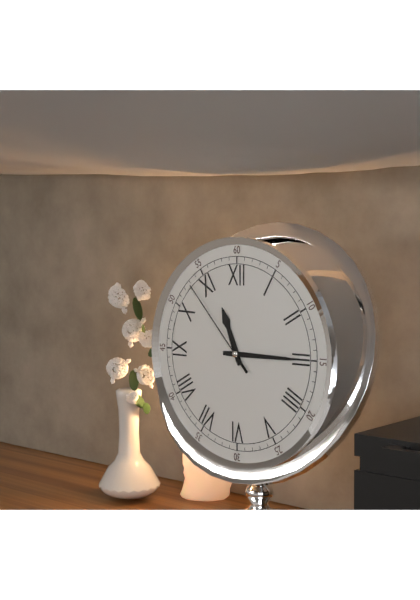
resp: 11h15m53s
